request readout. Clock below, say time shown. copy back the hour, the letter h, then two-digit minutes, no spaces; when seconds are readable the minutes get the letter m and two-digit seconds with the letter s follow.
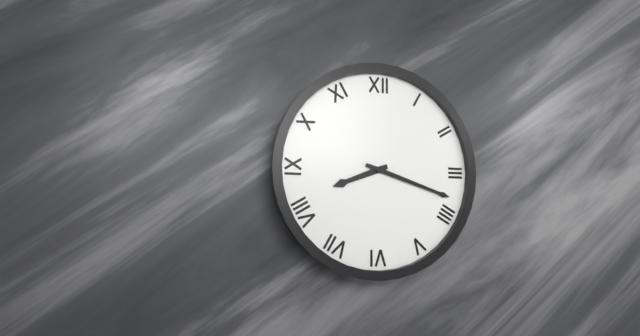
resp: 8h18
